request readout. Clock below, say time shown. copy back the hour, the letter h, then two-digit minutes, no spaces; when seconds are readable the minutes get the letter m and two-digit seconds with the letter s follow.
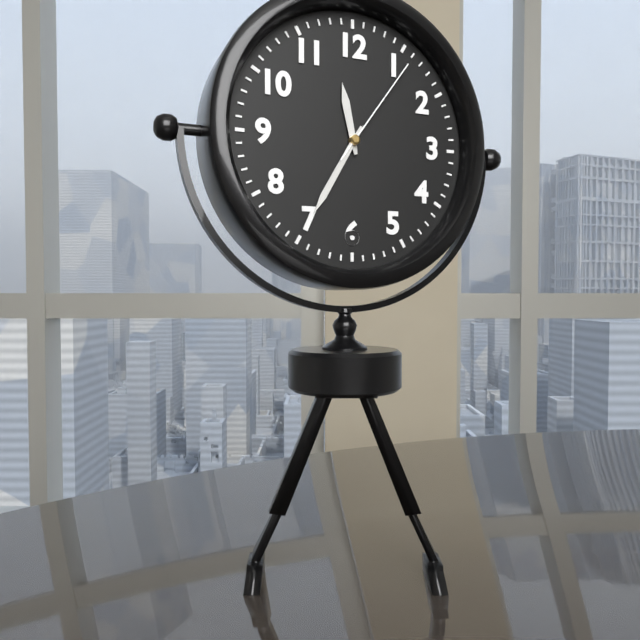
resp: 11h35m06s
